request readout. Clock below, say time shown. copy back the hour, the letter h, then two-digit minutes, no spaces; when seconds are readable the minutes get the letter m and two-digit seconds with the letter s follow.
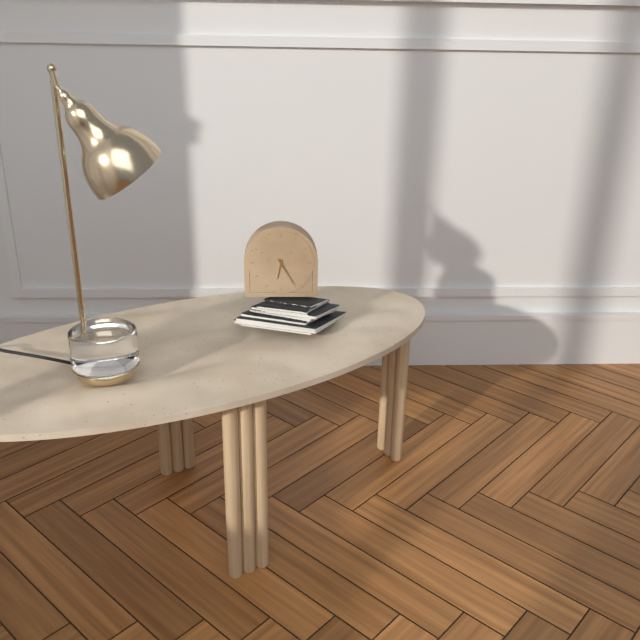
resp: 6h25
